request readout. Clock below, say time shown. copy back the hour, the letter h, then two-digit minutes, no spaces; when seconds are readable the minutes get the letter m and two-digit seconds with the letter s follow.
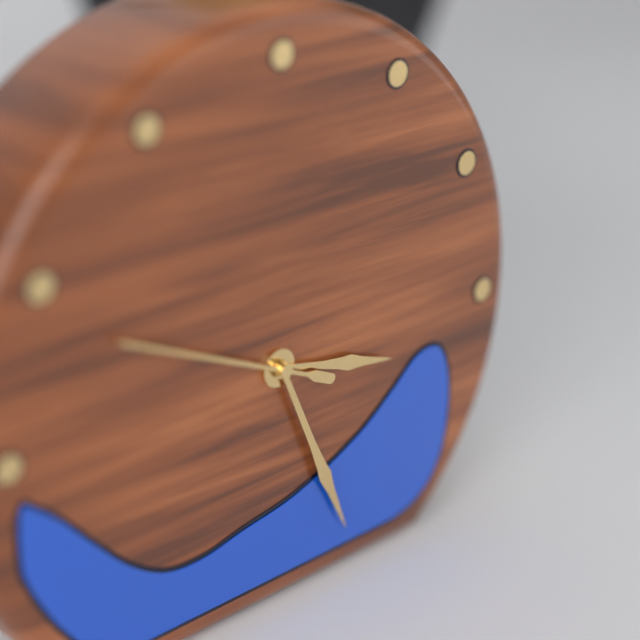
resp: 3h26m49s
